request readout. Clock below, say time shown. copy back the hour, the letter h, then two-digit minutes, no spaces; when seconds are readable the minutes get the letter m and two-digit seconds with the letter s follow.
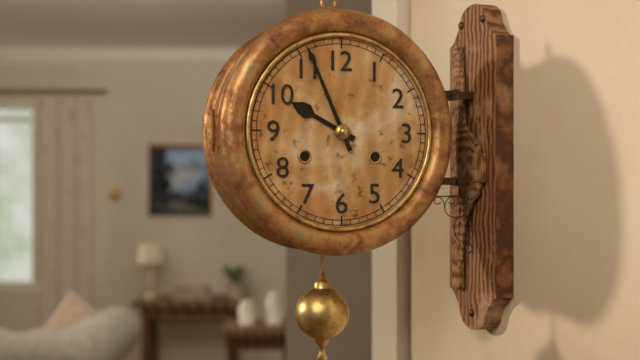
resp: 9h56
